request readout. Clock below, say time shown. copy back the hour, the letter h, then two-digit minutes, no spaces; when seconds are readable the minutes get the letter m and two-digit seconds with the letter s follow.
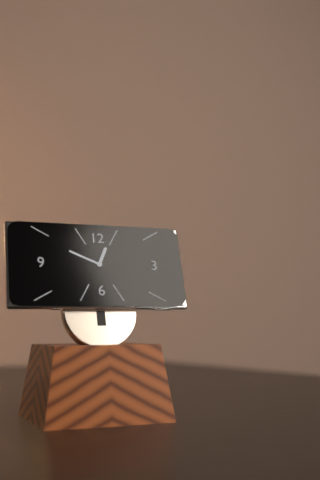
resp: 12h49
